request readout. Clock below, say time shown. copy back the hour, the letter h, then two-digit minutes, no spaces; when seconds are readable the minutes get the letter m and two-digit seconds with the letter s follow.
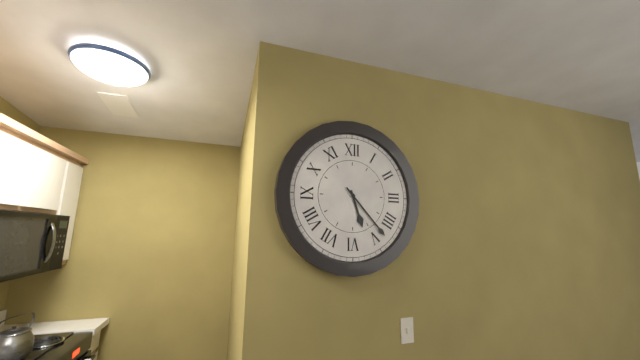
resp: 5h23
